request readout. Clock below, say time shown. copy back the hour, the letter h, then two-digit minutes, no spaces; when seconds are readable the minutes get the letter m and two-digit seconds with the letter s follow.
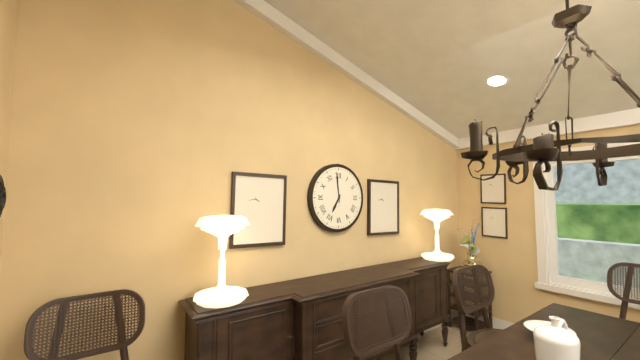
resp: 6h59
